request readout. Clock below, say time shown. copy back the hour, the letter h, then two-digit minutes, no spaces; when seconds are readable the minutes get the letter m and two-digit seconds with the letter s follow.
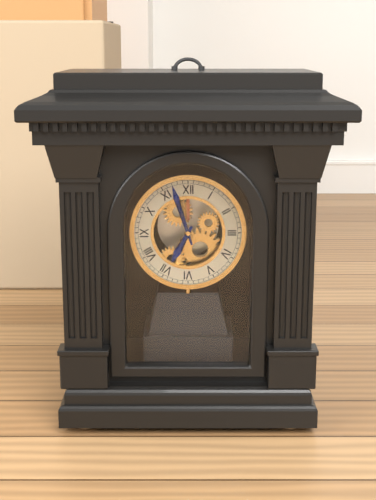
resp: 6h57
